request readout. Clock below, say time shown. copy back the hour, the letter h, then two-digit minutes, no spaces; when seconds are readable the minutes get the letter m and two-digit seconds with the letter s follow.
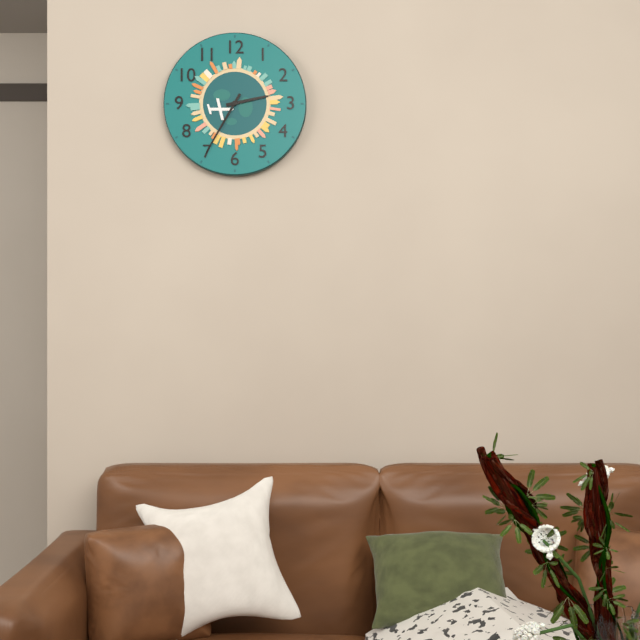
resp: 2h35
